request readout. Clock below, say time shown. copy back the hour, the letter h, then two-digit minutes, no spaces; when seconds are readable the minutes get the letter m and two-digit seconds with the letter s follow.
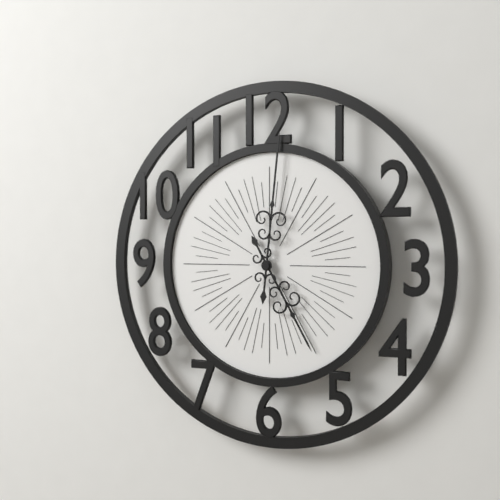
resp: 5h01
